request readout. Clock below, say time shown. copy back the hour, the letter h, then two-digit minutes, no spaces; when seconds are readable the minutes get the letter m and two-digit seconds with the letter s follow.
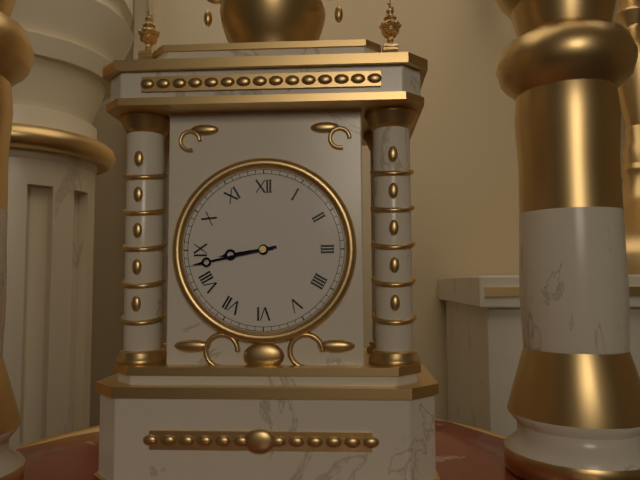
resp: 8h43
